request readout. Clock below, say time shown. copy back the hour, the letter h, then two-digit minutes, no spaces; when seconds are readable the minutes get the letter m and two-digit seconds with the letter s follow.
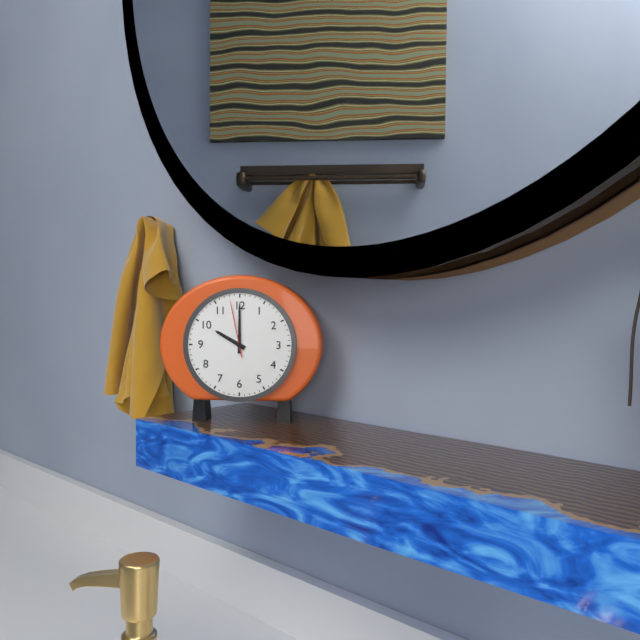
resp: 10h00m58s
